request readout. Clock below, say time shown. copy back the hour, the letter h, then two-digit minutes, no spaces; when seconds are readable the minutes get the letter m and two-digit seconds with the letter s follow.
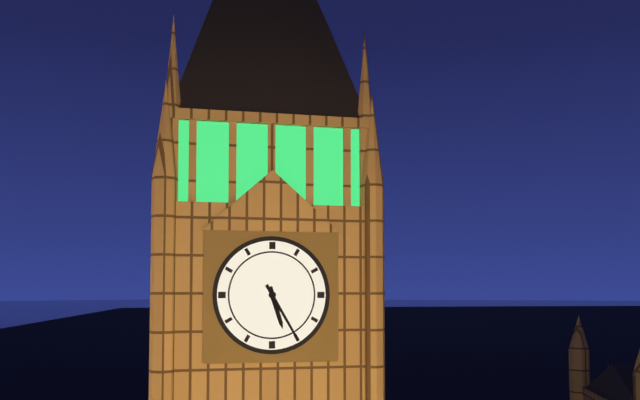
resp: 5h25
